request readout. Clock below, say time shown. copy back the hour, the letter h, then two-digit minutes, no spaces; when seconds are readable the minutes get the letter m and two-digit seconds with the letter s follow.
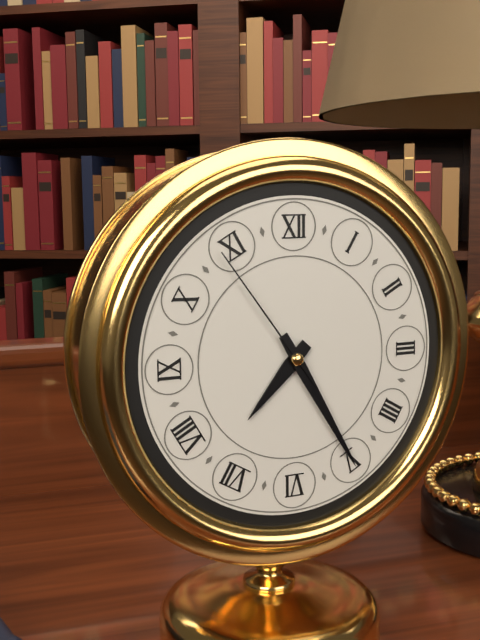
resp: 7h25m54s
